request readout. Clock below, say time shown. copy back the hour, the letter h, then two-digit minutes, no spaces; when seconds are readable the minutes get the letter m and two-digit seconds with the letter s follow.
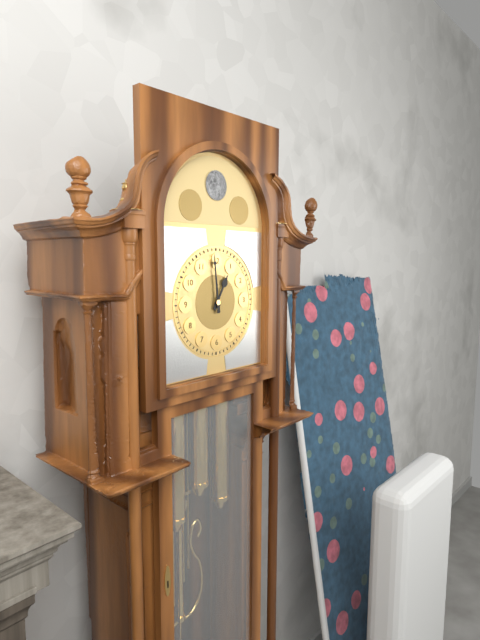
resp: 12h59
